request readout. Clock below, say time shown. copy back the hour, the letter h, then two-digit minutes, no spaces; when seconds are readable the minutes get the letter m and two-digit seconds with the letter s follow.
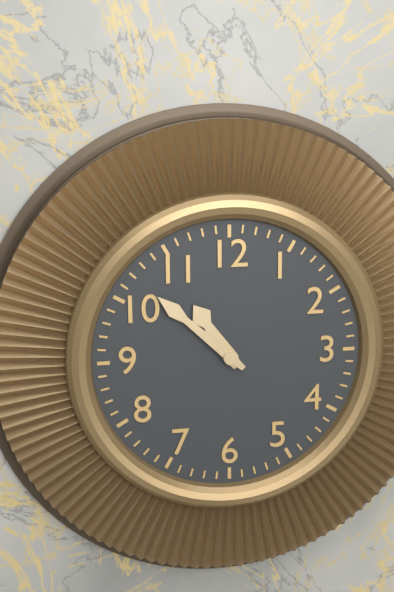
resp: 10h52
